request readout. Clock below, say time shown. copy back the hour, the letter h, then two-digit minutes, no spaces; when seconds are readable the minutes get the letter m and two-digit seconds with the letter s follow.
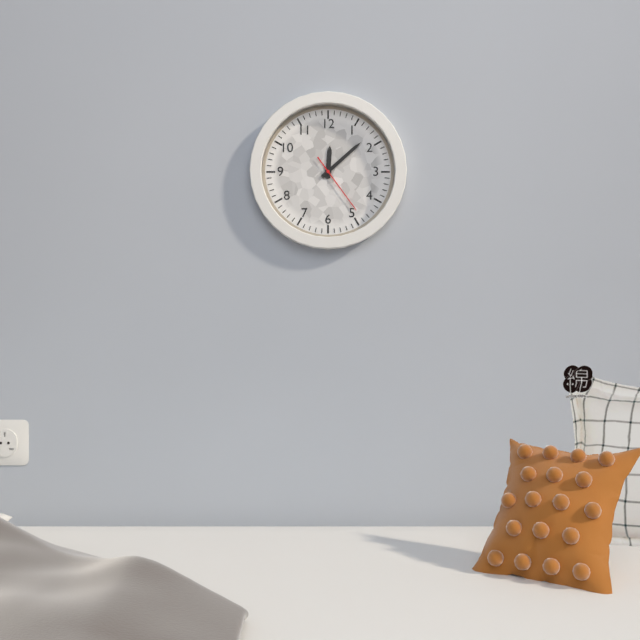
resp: 12h08m24s
